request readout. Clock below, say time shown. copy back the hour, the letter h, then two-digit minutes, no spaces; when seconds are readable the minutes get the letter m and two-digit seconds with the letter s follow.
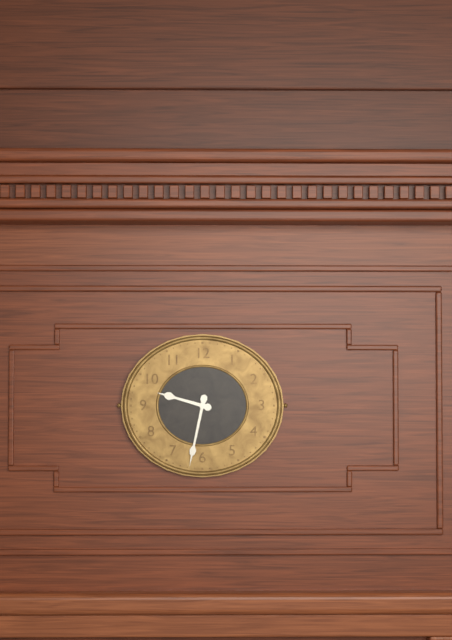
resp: 9h32
